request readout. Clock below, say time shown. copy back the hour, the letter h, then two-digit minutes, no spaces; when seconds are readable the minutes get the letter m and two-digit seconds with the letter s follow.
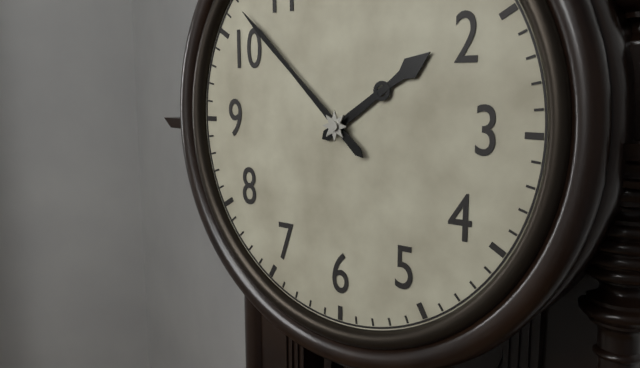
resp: 1h52
